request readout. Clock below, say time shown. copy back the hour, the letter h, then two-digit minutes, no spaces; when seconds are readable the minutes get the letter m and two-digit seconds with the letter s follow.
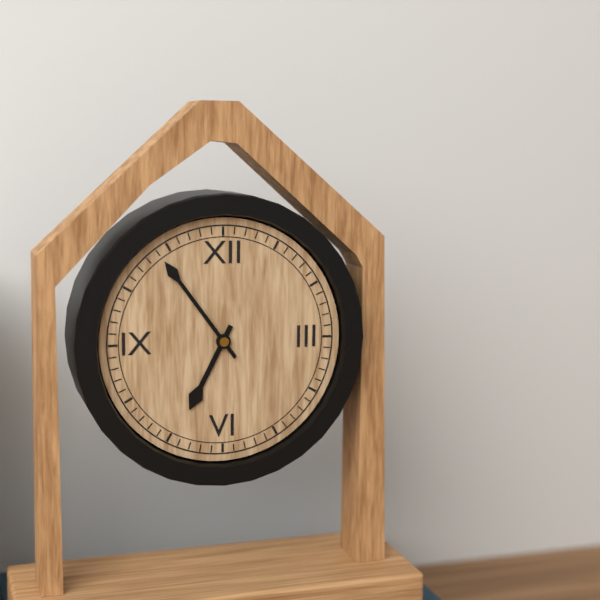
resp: 6h54
